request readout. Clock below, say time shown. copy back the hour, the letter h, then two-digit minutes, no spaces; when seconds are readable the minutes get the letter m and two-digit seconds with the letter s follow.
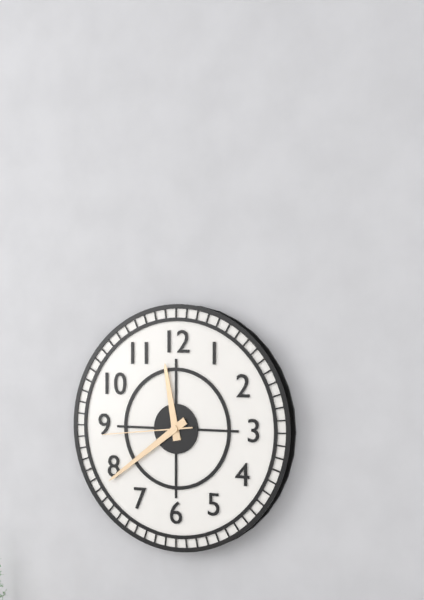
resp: 11h39m44s
